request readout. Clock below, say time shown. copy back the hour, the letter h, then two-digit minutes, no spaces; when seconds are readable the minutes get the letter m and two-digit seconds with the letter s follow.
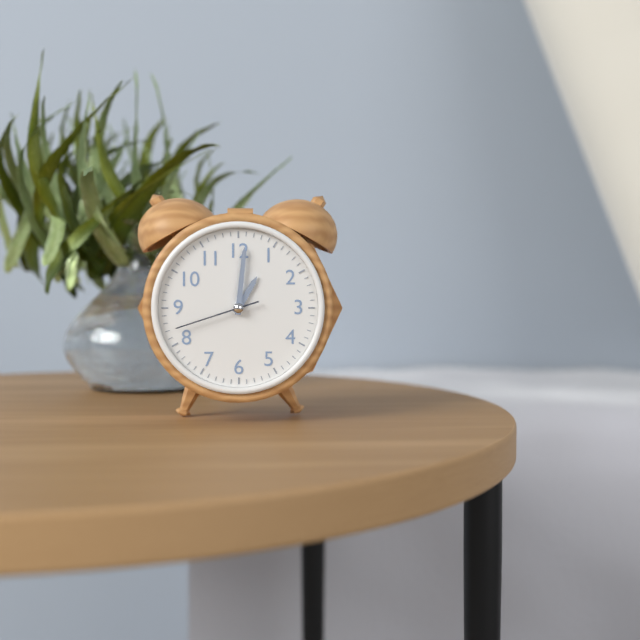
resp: 1h01m42s
